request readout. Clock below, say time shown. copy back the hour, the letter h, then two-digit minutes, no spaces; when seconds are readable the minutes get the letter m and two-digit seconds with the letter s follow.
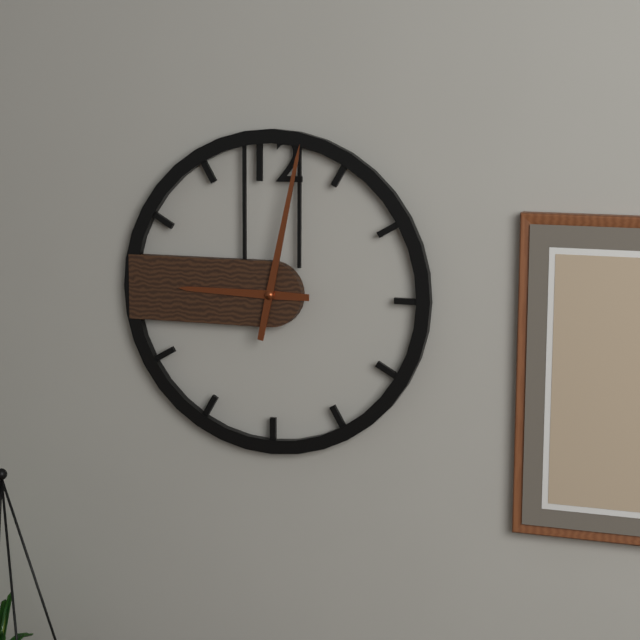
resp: 9h02
